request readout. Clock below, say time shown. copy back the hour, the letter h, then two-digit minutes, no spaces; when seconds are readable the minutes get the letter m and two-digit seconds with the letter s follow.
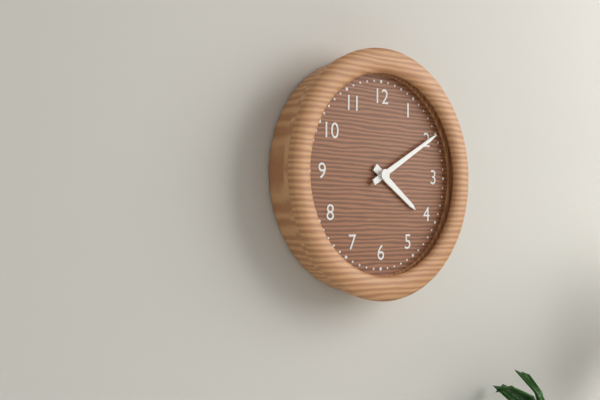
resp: 4h10
